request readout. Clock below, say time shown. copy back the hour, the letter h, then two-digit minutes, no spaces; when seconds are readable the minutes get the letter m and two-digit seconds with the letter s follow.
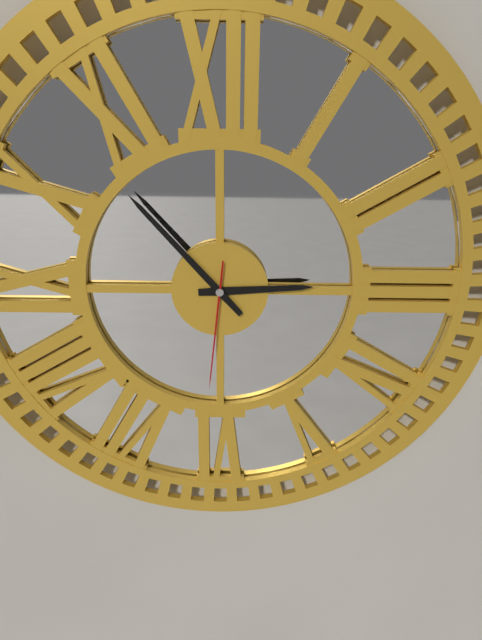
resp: 2h53m31s
